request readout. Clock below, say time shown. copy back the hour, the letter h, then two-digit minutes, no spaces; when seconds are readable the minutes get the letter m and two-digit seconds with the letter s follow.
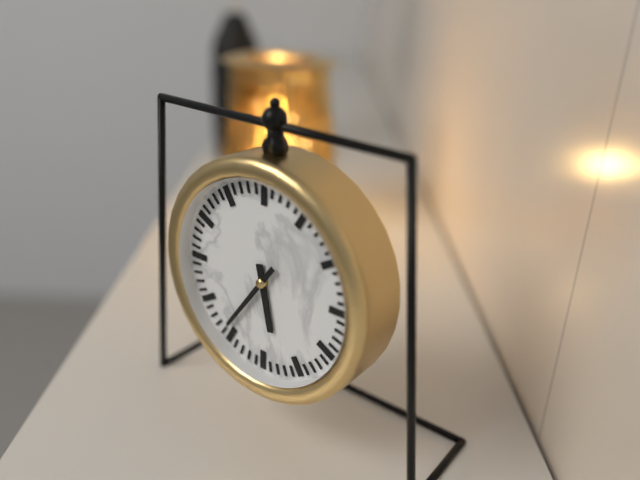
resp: 5h36
